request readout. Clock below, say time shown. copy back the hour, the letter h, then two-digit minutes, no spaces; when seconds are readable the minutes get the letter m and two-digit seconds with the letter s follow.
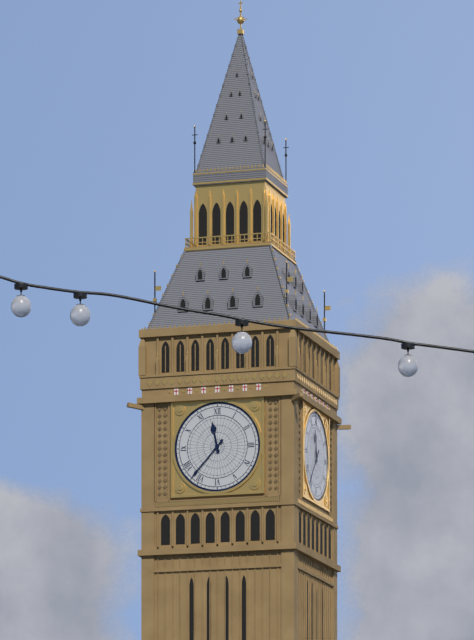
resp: 11h37
